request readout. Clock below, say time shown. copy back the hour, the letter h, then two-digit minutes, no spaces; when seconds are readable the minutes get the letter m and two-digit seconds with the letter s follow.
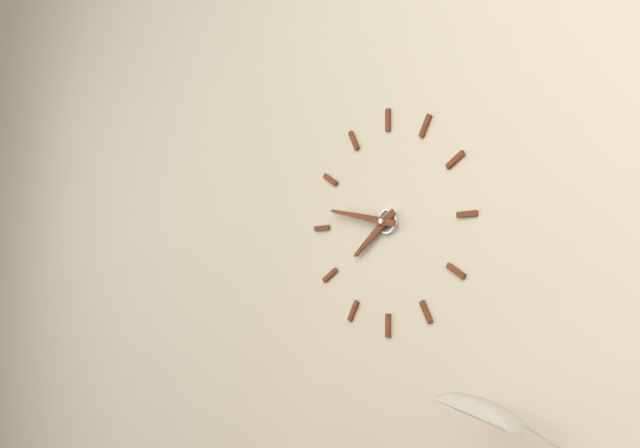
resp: 7h47
